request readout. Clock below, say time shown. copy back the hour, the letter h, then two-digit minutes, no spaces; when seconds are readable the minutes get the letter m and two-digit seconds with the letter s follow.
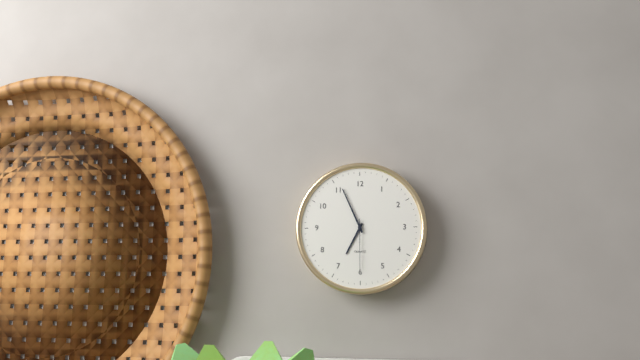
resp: 6h56m30s
